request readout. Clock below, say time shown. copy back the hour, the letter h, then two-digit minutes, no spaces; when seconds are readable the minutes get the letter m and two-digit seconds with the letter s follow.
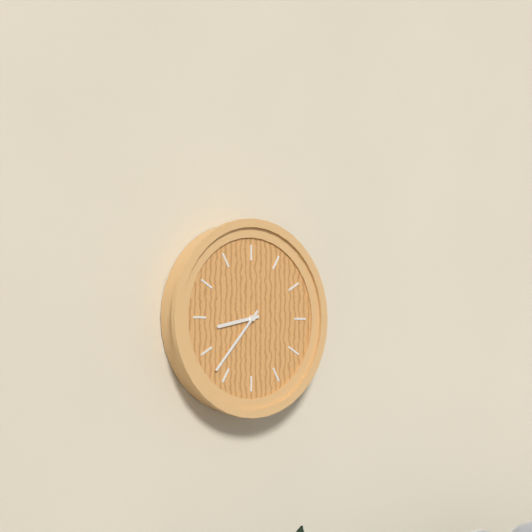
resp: 8h37
